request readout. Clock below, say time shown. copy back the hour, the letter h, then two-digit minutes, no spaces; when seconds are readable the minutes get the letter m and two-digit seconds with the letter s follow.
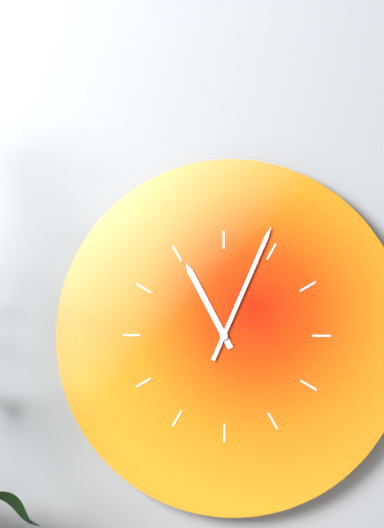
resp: 11h04
